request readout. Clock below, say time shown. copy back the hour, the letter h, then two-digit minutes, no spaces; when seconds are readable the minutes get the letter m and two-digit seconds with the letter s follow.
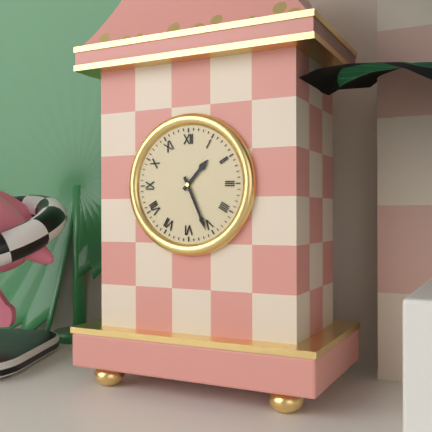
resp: 1h26
